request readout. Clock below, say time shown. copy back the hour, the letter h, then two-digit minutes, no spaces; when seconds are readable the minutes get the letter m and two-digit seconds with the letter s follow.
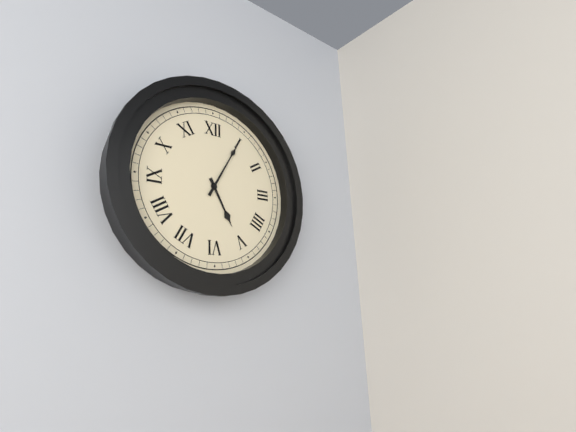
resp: 5h05
